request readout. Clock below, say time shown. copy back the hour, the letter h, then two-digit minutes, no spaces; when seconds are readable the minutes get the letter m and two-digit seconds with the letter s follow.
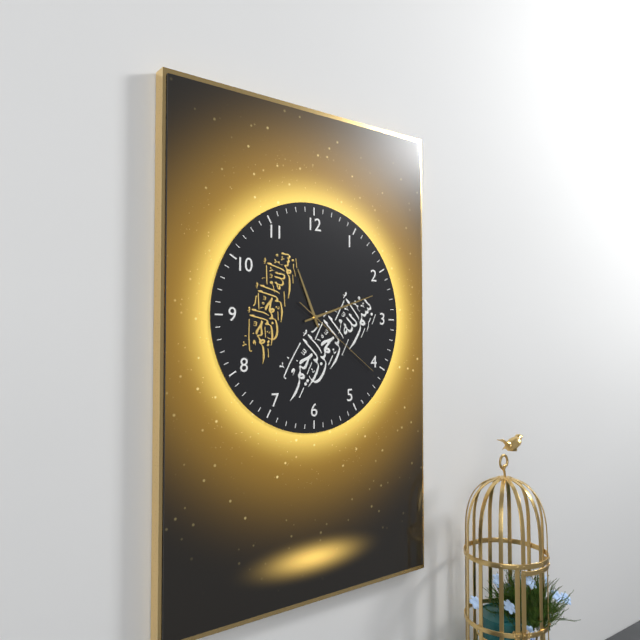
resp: 11h12m21s
